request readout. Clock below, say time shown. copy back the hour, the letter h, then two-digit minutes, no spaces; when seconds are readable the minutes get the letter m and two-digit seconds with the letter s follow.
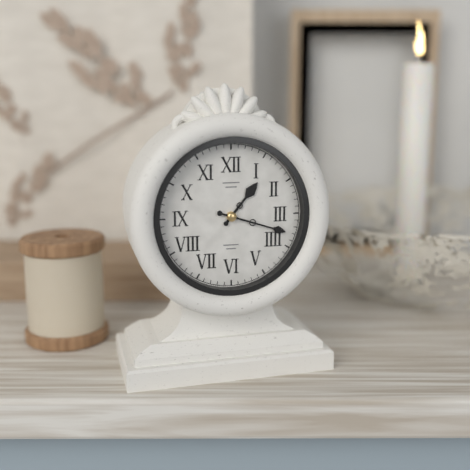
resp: 1h18
